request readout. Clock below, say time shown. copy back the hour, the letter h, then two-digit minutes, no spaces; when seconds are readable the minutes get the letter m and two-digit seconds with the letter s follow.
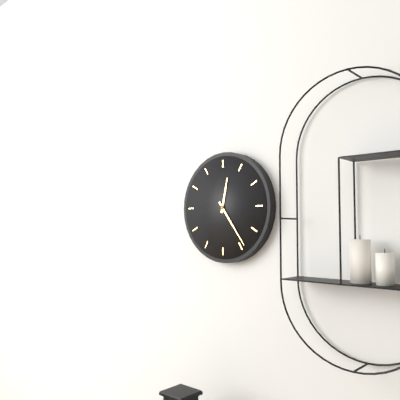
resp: 12h24
